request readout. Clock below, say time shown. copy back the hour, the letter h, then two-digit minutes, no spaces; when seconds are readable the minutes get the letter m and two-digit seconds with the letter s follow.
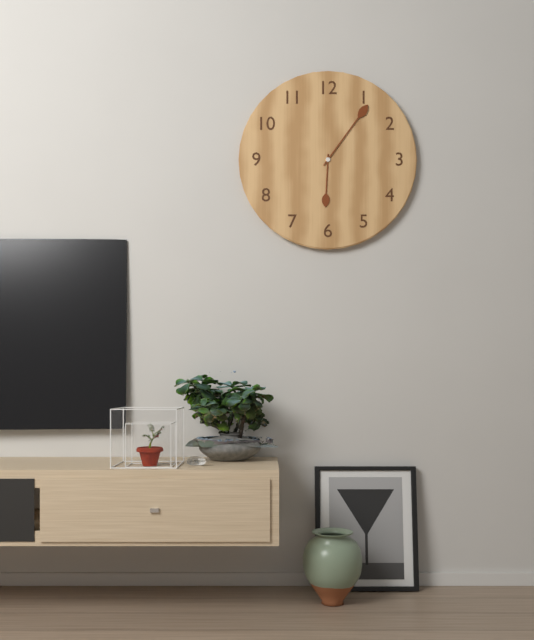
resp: 6h06
